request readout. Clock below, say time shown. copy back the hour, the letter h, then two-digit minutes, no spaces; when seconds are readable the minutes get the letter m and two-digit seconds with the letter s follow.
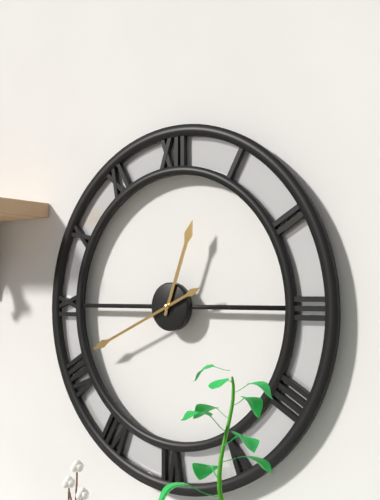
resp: 12h41
